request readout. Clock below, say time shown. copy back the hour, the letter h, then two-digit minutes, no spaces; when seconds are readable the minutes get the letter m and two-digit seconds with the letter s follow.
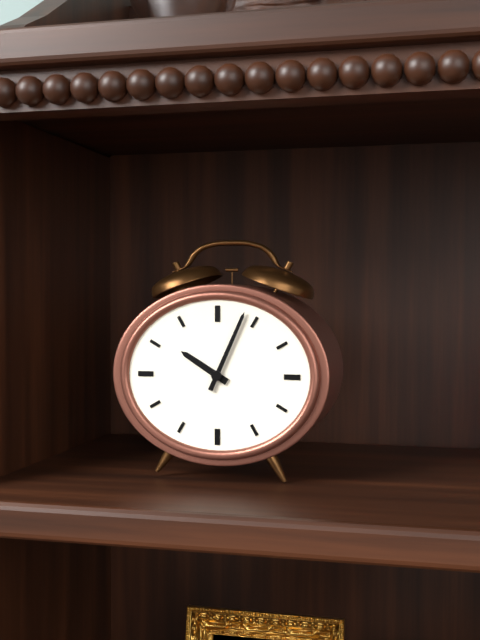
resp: 10h04
